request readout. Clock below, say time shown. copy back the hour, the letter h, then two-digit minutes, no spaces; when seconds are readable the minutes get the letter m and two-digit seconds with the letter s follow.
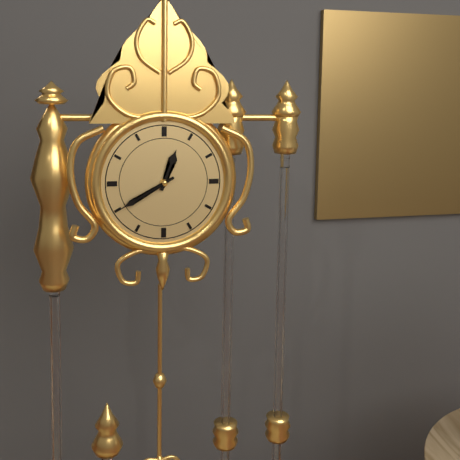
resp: 12h40
